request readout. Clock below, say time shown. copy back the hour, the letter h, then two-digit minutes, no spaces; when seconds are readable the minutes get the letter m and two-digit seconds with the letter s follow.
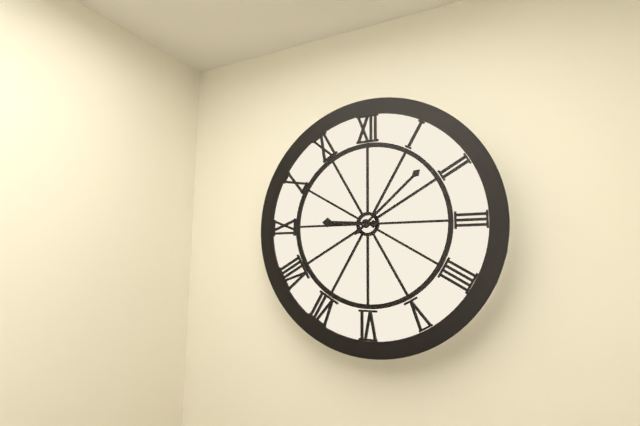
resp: 9h08
